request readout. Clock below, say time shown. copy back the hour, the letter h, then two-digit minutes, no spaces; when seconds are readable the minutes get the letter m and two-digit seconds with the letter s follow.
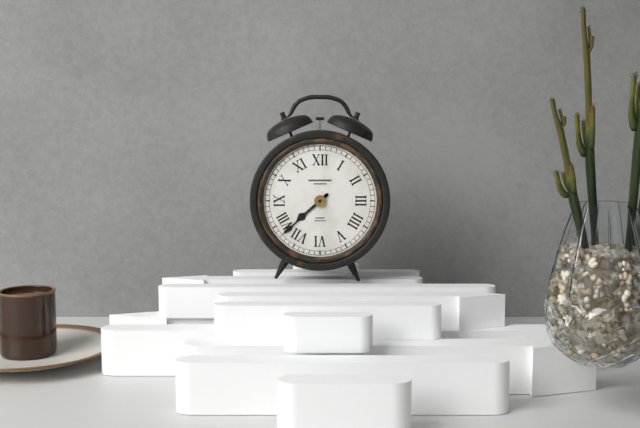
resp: 7h38
